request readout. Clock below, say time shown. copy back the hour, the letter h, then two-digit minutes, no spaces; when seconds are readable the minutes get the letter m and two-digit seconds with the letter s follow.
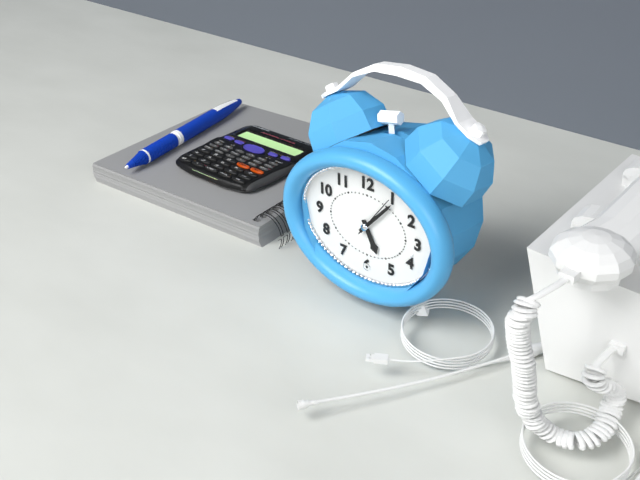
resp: 5h07
